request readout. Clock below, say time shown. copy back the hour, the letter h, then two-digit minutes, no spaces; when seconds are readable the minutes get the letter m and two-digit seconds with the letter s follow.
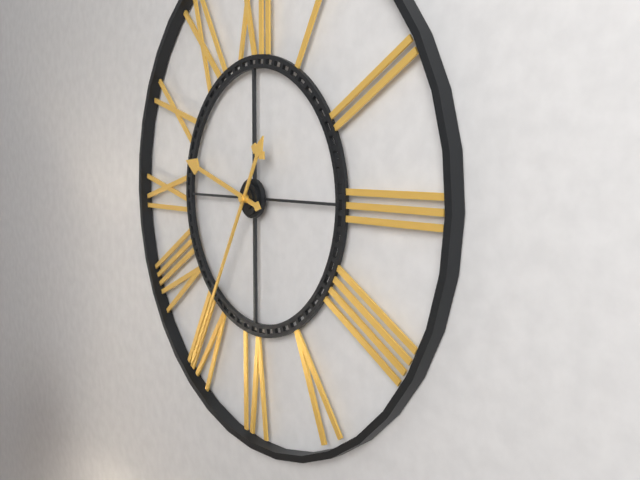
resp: 9h35
